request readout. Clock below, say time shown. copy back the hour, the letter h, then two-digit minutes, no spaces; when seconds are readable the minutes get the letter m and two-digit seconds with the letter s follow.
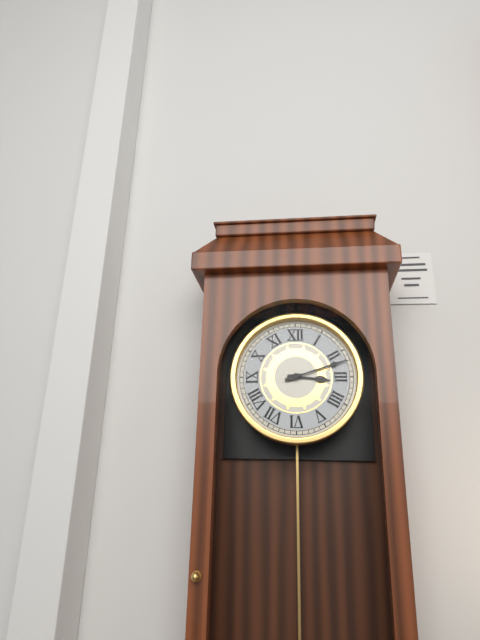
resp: 3h12
